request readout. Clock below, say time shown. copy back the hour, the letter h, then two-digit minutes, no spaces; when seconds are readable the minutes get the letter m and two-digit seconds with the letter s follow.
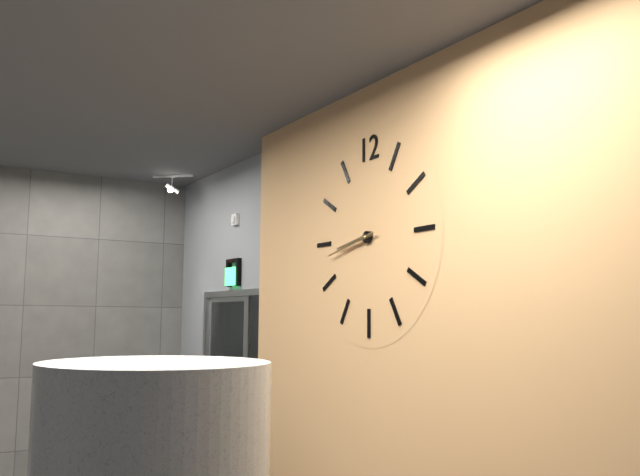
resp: 8h43
